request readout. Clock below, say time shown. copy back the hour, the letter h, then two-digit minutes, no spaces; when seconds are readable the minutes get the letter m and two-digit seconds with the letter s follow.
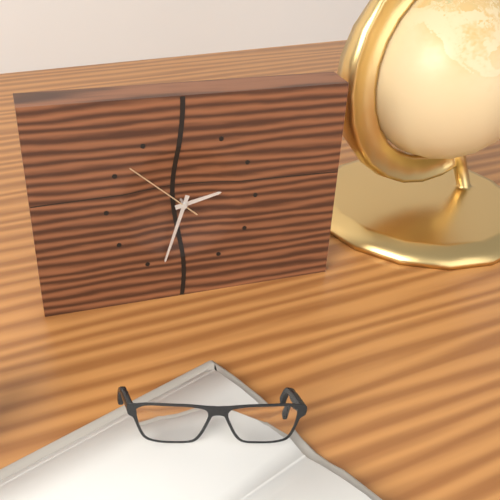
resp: 2h33m52s
